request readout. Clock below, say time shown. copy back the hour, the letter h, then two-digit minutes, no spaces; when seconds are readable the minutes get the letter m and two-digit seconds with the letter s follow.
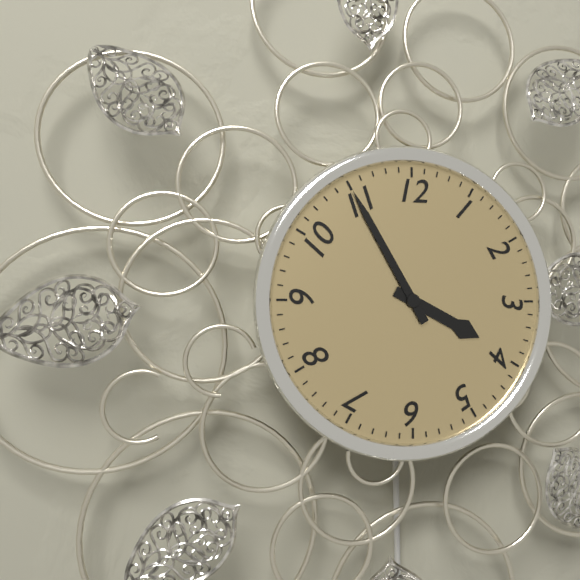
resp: 3h55
